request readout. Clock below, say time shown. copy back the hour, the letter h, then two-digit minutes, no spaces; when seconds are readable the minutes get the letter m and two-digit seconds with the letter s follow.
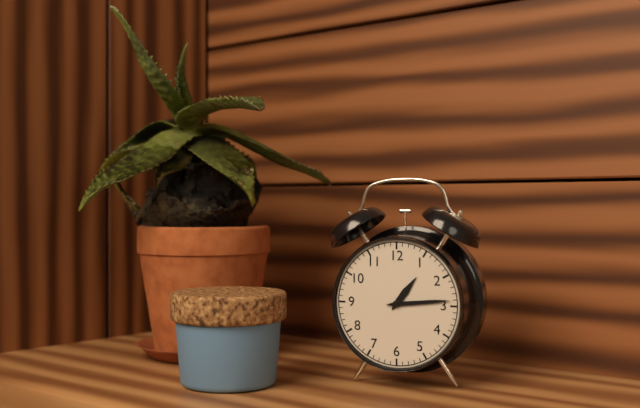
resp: 1h14
